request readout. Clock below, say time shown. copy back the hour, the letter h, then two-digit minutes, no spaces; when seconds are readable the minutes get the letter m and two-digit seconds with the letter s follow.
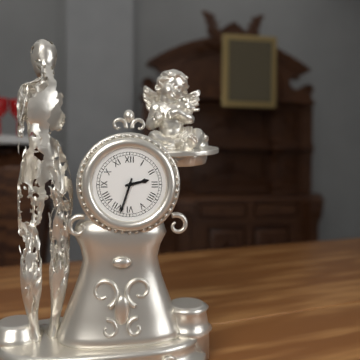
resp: 2h33
